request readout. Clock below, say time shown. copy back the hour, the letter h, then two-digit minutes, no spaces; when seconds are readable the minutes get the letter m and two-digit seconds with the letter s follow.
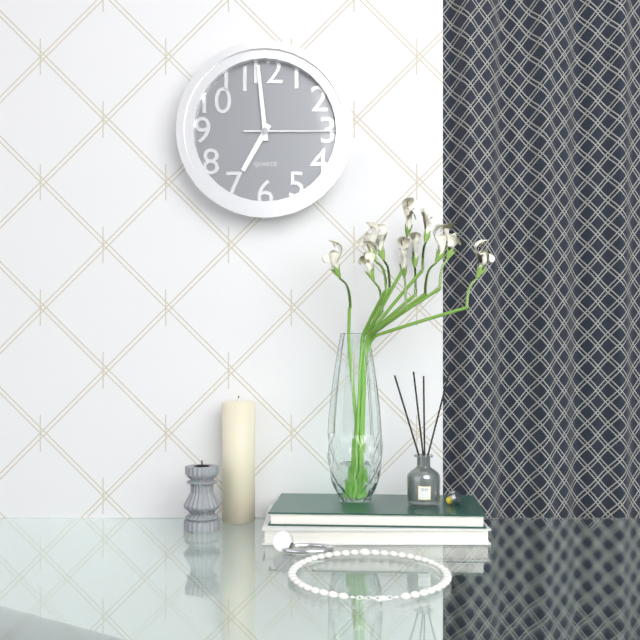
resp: 6h59m15s
